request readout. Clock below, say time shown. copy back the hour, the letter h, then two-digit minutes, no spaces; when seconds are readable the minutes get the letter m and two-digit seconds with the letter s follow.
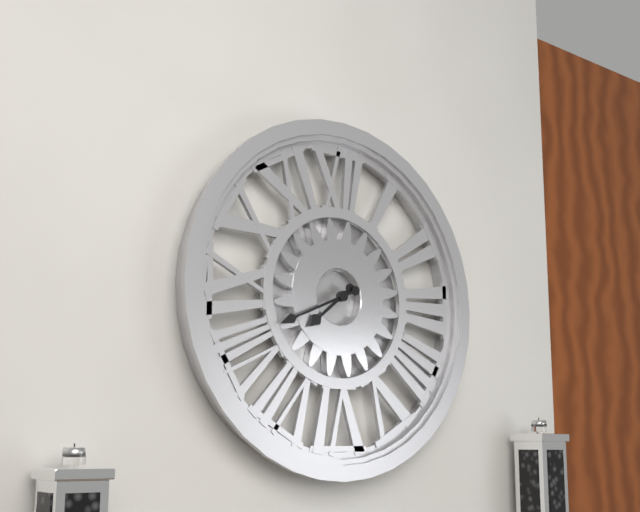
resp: 7h41
